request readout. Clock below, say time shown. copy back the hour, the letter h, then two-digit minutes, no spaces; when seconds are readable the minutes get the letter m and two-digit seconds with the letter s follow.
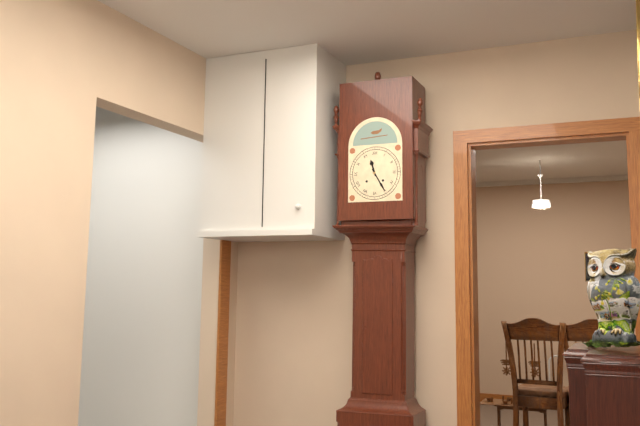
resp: 11h25
